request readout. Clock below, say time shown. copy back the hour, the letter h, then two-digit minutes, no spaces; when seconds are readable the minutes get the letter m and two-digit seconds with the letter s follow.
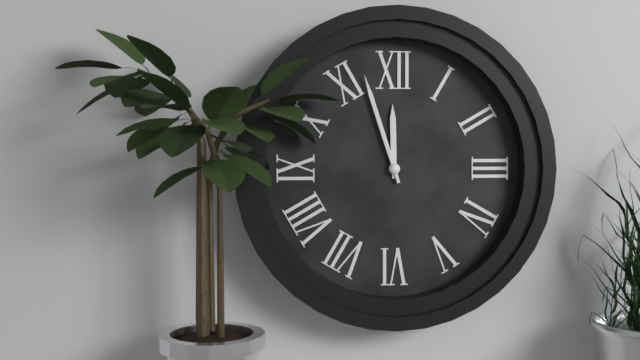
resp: 11h57
